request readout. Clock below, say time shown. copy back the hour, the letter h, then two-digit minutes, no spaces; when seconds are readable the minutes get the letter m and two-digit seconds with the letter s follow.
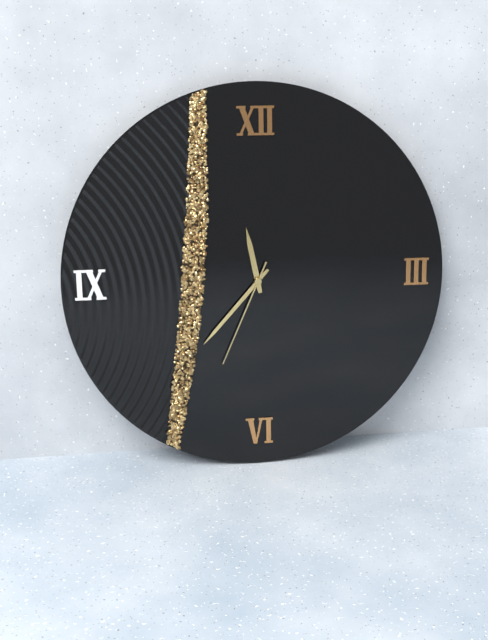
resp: 11h37m34s
